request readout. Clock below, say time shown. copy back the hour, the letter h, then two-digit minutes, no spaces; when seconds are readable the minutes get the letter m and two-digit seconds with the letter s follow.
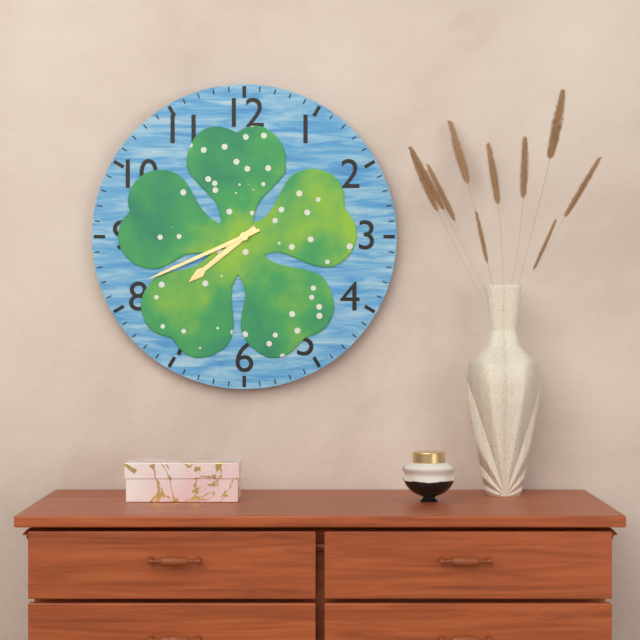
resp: 7h41
